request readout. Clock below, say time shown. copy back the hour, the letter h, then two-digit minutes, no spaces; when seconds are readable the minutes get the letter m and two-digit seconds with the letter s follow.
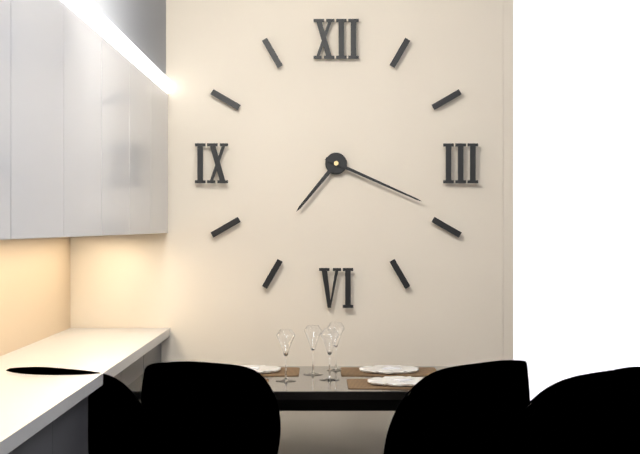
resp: 7h19
